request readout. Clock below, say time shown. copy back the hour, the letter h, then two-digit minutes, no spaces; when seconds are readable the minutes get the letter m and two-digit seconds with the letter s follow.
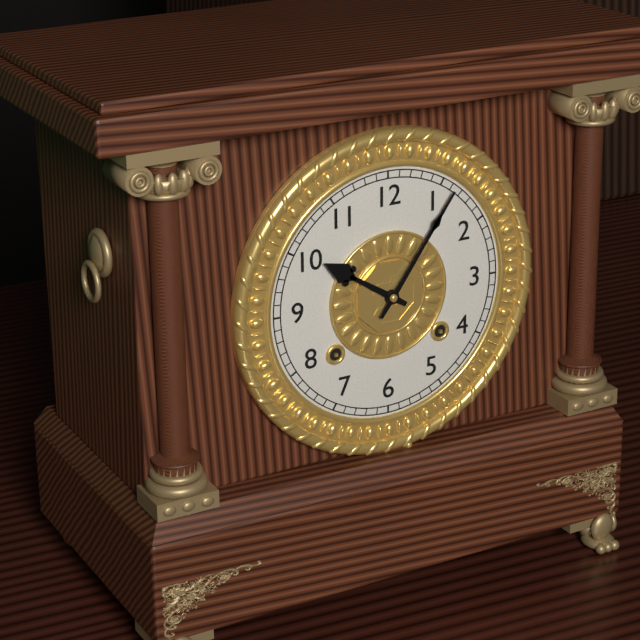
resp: 10h06
